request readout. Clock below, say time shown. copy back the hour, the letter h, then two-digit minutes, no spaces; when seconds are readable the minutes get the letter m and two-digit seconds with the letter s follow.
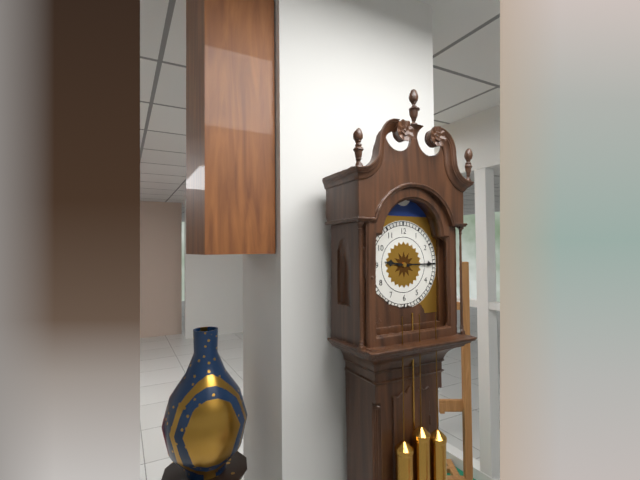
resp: 9h15
